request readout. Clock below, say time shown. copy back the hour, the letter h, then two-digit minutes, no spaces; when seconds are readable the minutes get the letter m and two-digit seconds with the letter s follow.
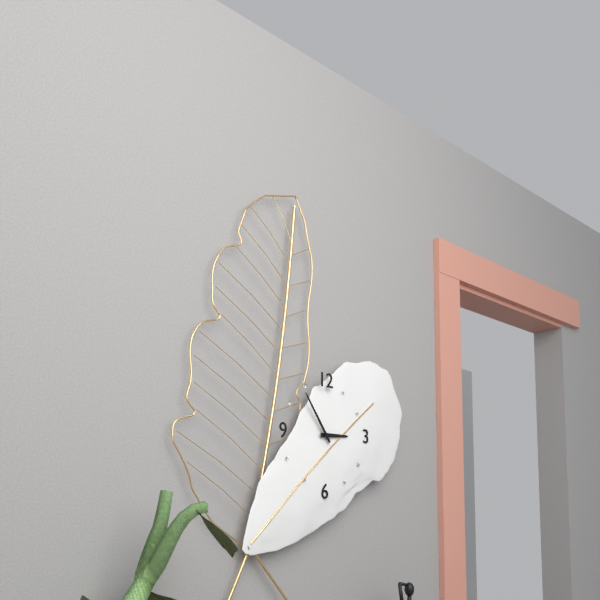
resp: 2h54
